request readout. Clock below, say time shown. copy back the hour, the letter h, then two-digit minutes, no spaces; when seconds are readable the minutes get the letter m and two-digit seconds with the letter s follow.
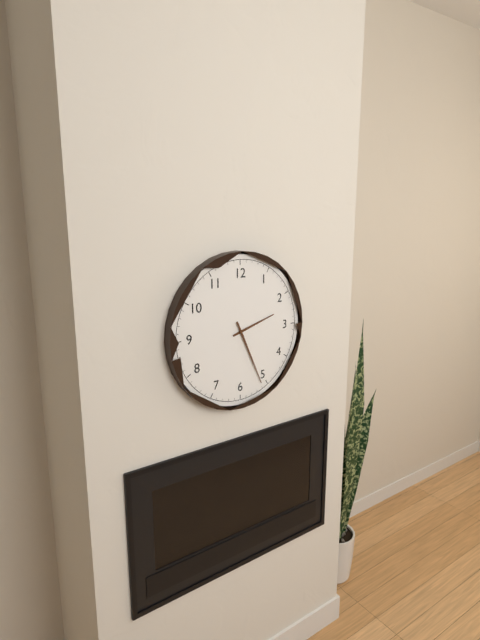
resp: 2h26
